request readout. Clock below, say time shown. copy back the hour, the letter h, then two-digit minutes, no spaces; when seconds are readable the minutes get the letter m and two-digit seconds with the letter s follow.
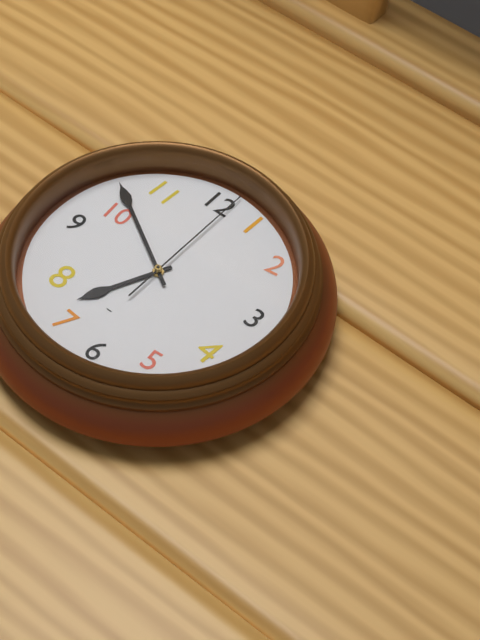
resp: 6h50m00s
